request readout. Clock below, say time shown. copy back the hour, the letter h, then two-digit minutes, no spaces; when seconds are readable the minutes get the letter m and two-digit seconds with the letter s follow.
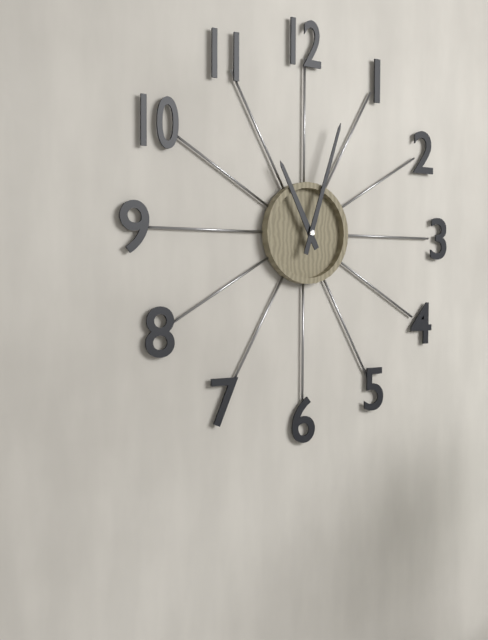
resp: 11h03
